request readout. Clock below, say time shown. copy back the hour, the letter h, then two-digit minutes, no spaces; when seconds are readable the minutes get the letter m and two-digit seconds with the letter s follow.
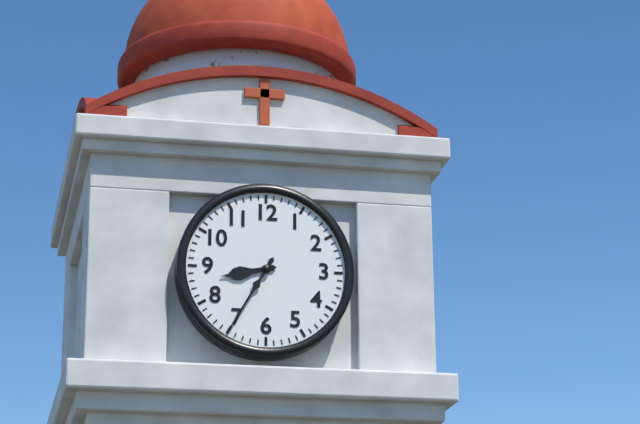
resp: 8h35
